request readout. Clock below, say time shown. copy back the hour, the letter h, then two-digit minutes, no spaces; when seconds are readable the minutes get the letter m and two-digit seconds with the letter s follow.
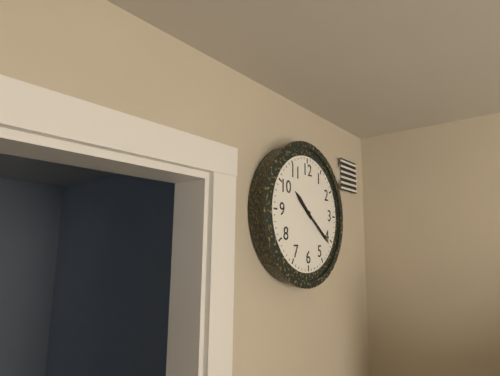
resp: 10h21
